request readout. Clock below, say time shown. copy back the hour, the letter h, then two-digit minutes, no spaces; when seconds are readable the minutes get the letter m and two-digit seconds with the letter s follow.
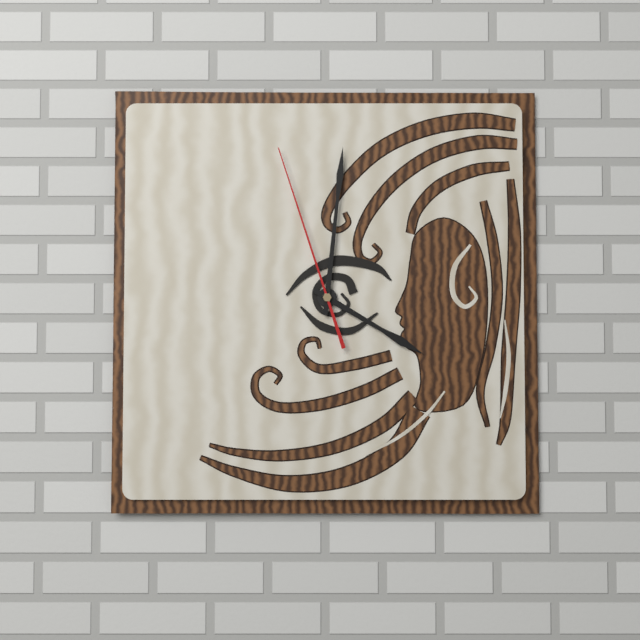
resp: 4h01m57s
